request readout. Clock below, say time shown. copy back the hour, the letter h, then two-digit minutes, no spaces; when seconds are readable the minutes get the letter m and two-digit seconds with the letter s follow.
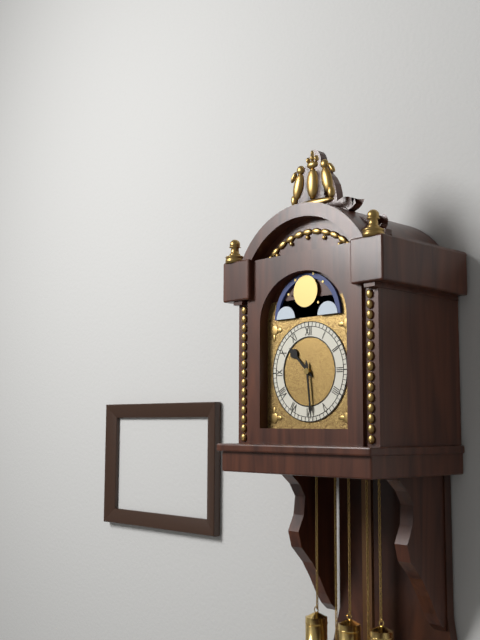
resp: 10h29
